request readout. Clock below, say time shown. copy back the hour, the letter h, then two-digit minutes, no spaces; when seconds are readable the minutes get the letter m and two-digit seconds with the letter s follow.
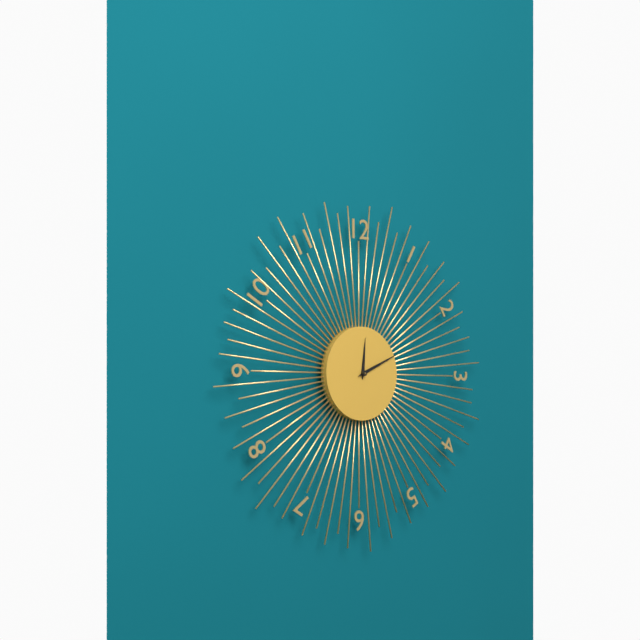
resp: 12h11
